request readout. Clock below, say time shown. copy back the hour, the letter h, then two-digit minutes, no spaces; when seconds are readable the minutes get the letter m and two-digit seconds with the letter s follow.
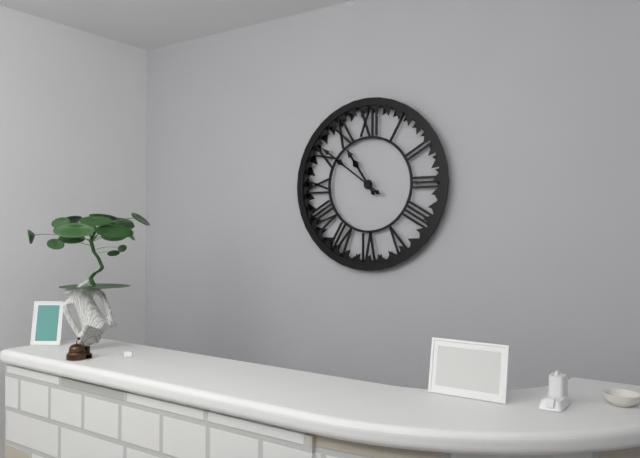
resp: 10h51
